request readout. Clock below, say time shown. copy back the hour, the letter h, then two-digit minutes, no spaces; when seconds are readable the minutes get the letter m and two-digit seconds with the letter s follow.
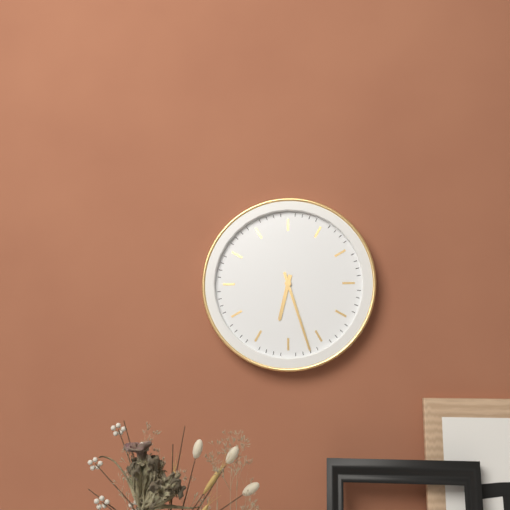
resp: 6h27
